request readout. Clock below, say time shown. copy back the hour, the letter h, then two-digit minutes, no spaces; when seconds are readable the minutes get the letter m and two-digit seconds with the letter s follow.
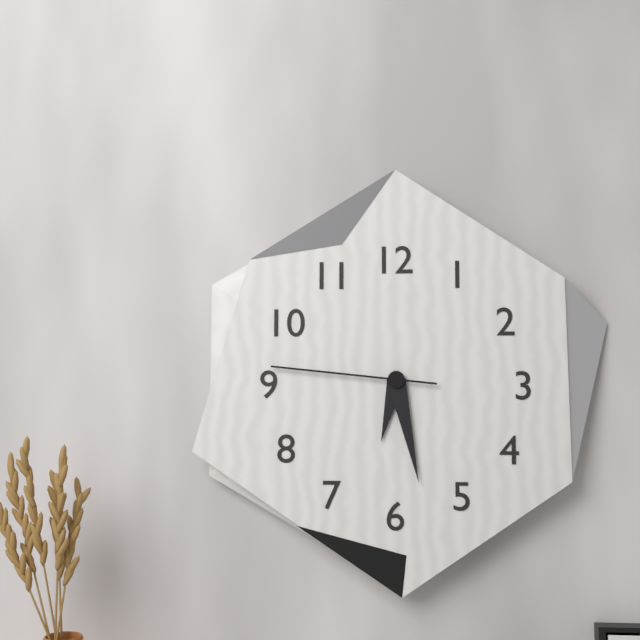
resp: 6h28m46s
